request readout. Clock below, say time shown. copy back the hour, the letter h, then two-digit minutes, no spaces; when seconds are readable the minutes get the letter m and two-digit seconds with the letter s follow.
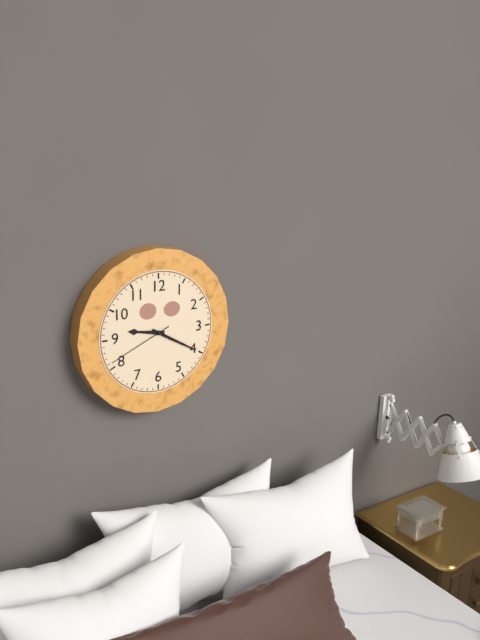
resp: 9h20m41s
